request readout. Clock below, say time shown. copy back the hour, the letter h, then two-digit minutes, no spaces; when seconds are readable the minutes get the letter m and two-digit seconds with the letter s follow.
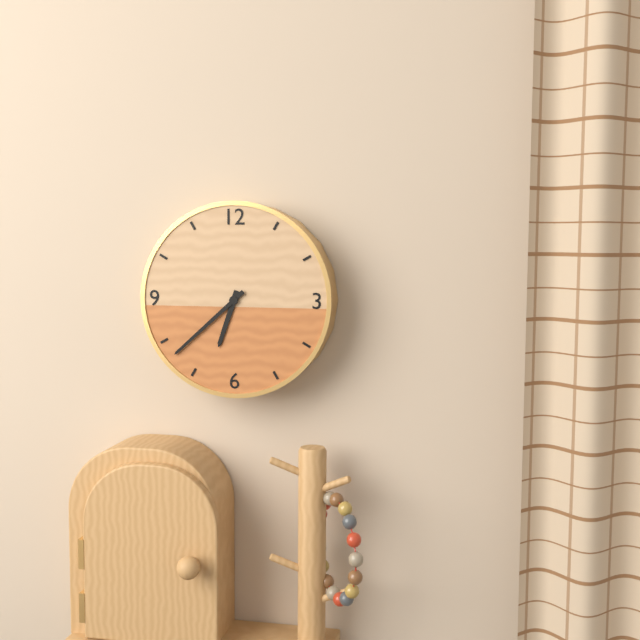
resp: 6h38
